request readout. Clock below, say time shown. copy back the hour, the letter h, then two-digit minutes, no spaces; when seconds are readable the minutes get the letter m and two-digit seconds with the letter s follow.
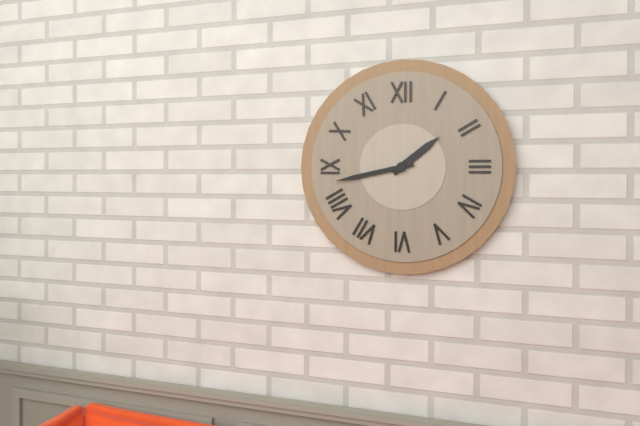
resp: 1h43
